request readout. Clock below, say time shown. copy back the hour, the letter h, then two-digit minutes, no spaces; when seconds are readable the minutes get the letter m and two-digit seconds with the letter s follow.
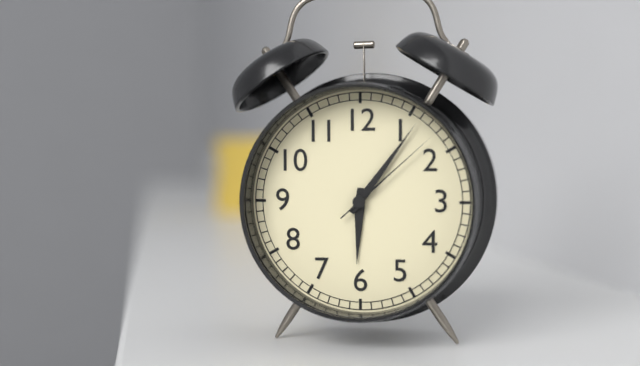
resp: 6h06m08s
